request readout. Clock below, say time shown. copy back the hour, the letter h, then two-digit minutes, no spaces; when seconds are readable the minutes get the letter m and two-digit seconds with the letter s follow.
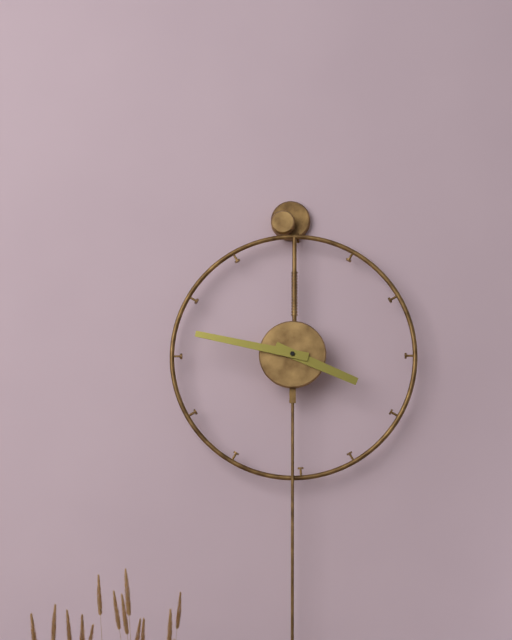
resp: 3h47
